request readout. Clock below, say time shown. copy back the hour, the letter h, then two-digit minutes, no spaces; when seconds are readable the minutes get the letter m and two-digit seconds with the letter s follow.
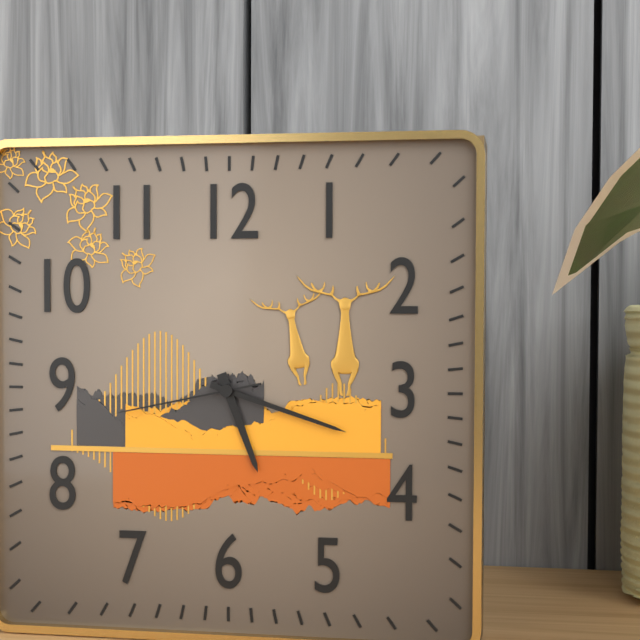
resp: 5h18m43s
